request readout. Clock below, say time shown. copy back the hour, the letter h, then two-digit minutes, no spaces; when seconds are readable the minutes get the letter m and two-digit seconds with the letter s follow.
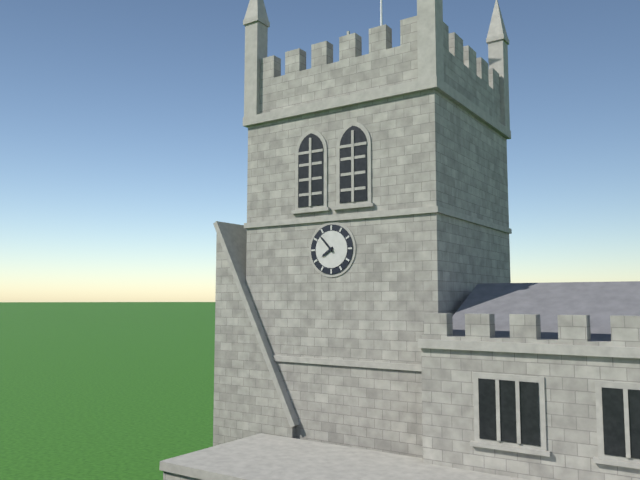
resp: 7h53
